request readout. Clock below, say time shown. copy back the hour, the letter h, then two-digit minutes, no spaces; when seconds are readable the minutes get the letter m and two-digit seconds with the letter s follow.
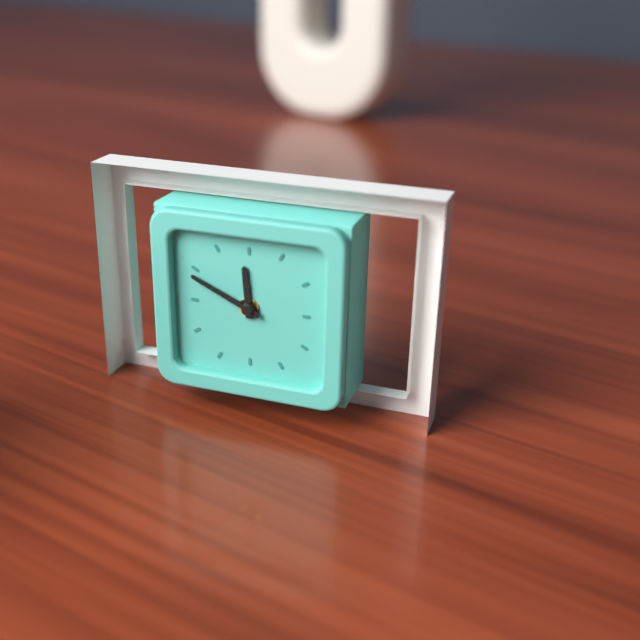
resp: 11h49
